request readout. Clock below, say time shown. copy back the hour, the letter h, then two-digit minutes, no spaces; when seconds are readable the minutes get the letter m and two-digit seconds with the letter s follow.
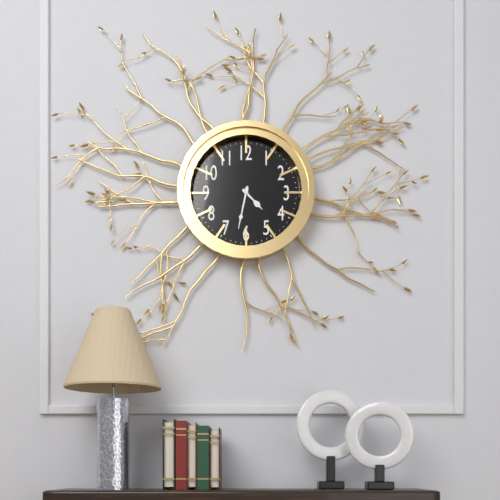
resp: 4h32
